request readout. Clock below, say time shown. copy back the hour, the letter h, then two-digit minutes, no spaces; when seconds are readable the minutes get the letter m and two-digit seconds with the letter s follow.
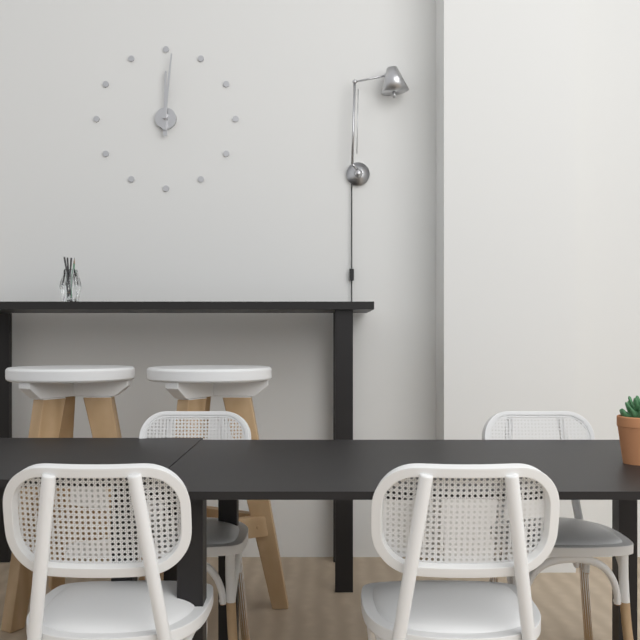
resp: 12h01
